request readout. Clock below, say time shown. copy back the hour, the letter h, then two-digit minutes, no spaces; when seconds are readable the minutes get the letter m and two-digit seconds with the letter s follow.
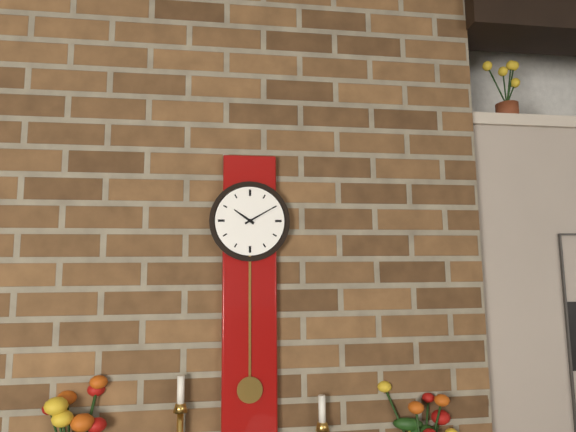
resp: 10h10
